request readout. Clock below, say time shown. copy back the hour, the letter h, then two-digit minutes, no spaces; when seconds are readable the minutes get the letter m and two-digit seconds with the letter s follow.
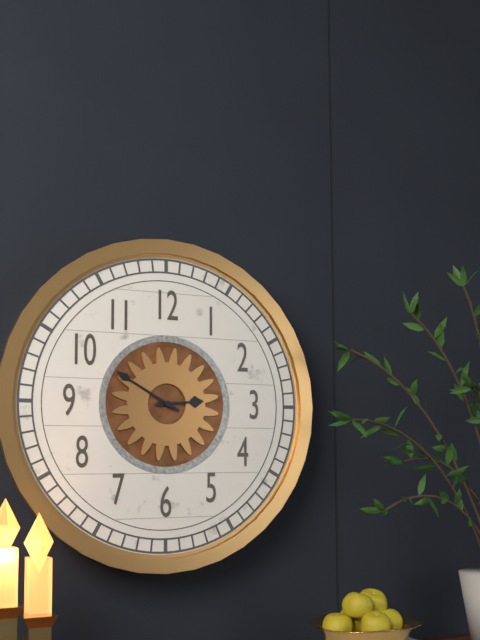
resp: 2h50
